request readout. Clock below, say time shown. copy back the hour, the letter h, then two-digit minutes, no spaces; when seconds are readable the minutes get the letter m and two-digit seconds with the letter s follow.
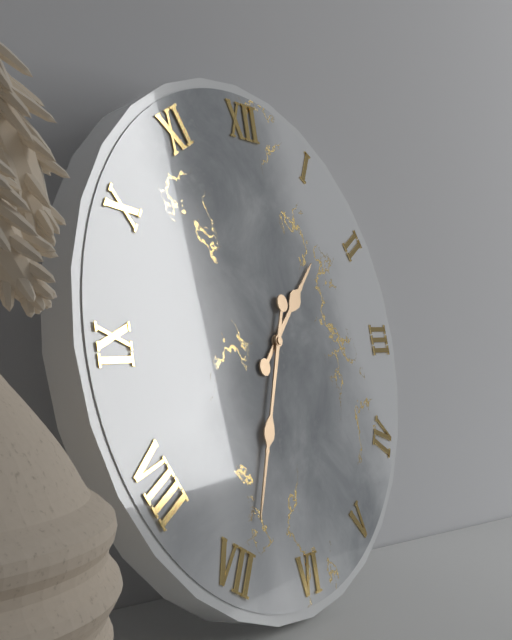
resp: 1h34
